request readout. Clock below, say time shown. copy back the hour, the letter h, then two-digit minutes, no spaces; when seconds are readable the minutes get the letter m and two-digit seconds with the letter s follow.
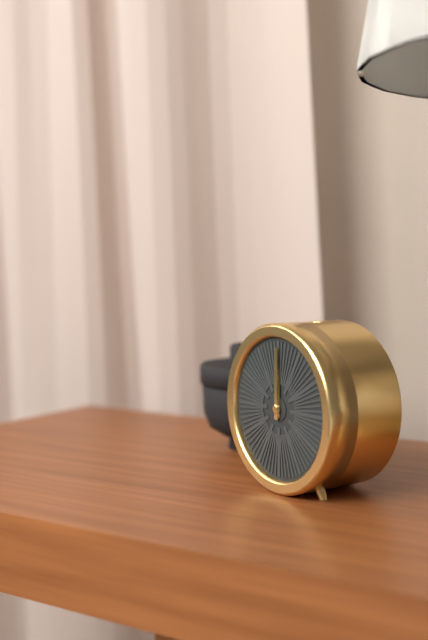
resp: 12h00
